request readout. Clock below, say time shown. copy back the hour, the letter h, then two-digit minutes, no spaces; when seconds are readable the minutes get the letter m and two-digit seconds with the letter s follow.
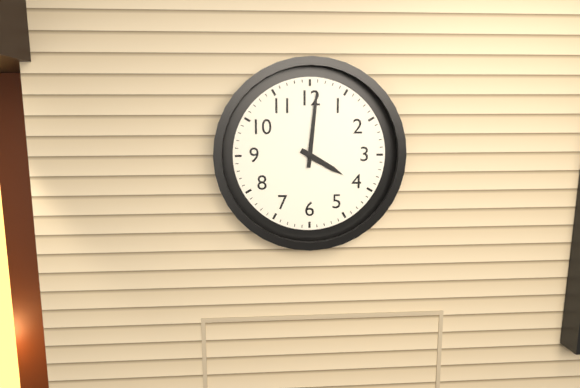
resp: 4h01
